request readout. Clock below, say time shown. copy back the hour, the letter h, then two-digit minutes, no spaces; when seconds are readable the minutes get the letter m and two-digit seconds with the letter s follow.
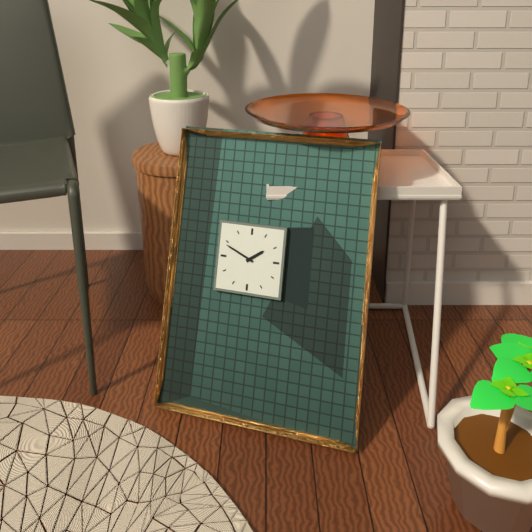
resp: 1h49
